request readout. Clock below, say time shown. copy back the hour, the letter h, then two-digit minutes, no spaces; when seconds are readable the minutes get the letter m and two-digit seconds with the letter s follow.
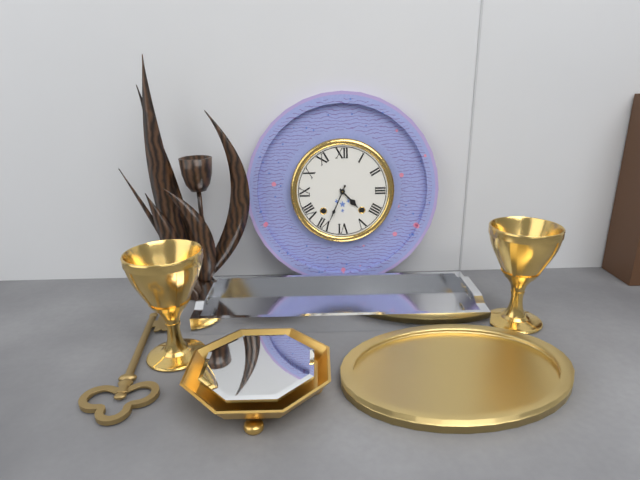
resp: 4h34
